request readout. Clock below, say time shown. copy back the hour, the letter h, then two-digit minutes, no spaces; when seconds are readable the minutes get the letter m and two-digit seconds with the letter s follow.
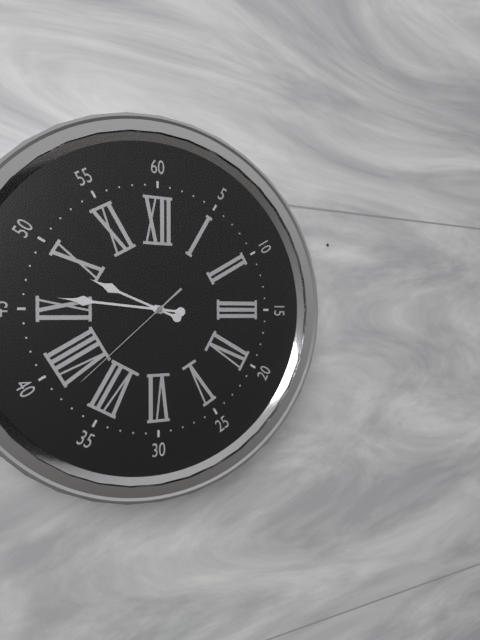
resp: 9h46m38s
